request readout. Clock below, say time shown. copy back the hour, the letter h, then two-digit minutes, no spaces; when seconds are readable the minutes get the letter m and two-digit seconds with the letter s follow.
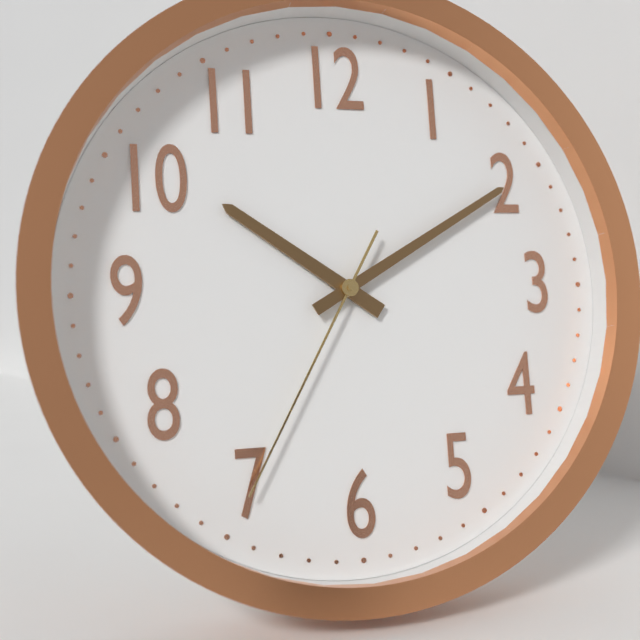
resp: 10h10m35s
